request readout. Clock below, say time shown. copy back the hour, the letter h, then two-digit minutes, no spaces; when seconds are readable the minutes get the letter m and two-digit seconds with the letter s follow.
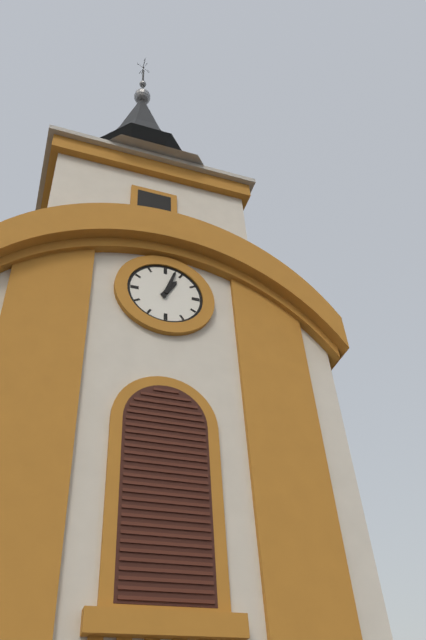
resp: 1h03
